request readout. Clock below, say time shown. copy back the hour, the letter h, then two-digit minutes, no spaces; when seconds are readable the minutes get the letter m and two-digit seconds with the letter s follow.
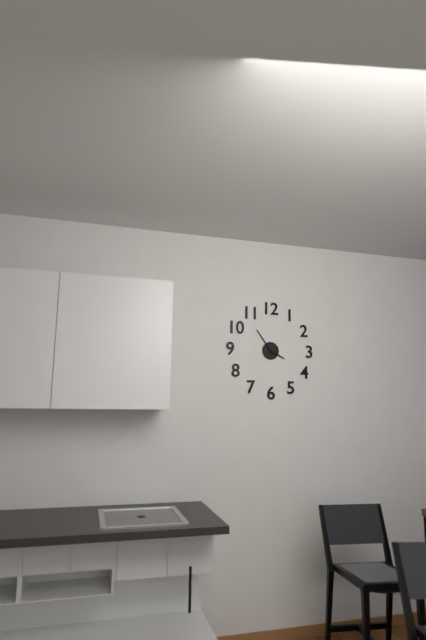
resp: 3h54
